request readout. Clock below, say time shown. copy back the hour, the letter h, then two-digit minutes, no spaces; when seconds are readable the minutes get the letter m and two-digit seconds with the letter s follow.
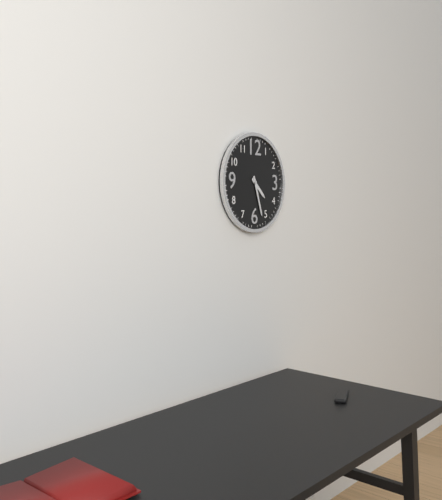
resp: 4h27
